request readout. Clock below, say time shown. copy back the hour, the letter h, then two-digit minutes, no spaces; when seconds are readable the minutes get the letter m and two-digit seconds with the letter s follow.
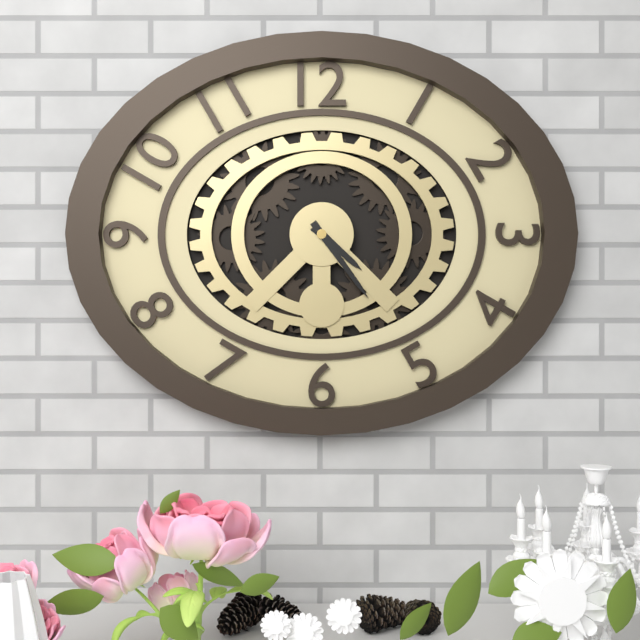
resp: 4h24
